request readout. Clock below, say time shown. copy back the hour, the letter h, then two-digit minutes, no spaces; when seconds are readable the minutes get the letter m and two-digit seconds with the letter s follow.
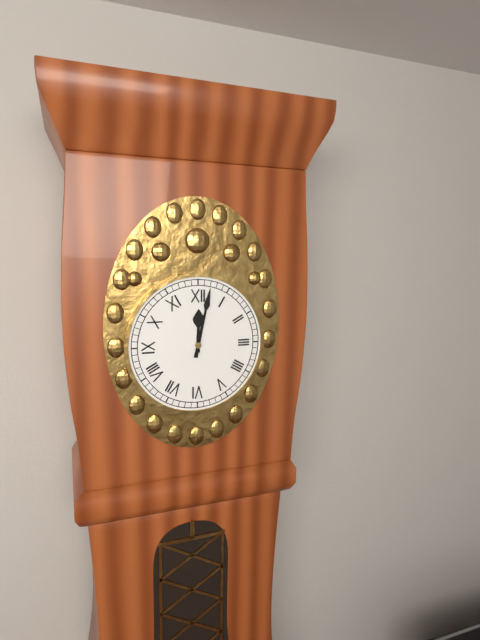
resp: 12h02
